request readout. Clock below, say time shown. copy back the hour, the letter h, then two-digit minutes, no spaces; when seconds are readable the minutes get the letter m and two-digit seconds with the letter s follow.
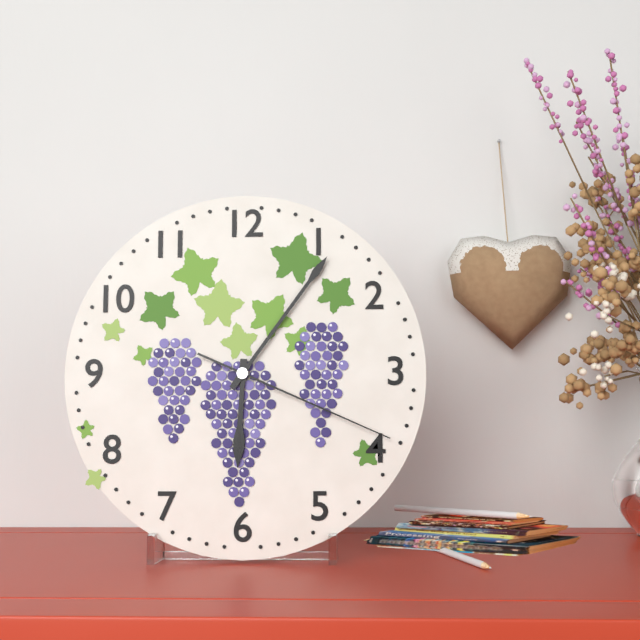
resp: 6h06m19s
